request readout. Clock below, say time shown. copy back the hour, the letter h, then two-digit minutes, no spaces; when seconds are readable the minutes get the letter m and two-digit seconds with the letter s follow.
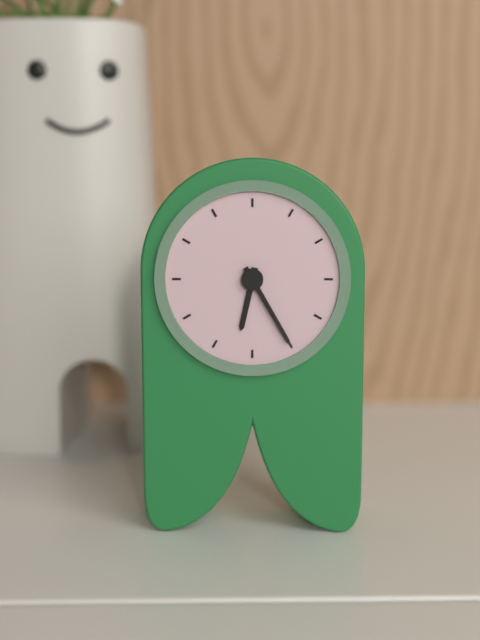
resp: 6h25
